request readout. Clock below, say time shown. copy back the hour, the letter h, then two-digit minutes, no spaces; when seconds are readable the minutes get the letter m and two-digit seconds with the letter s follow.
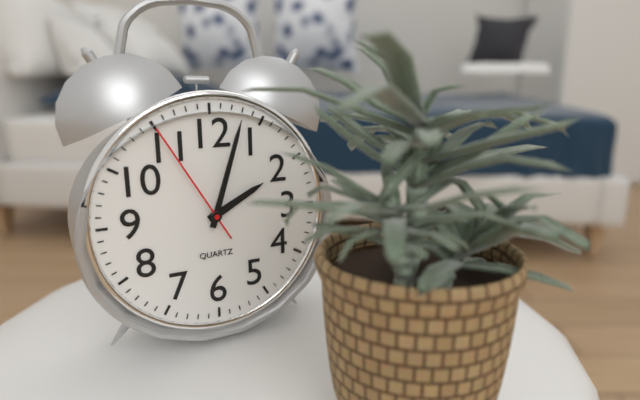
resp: 2h03m55s
